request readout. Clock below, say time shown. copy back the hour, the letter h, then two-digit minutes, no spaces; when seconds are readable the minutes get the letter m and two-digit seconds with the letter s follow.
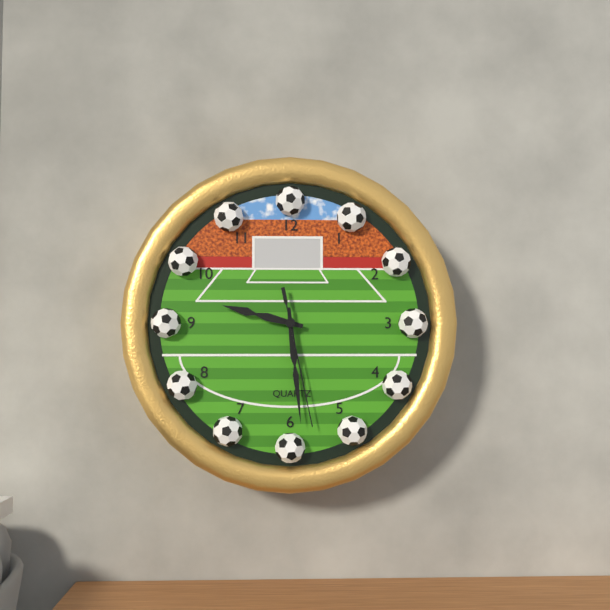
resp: 9h29m28s
